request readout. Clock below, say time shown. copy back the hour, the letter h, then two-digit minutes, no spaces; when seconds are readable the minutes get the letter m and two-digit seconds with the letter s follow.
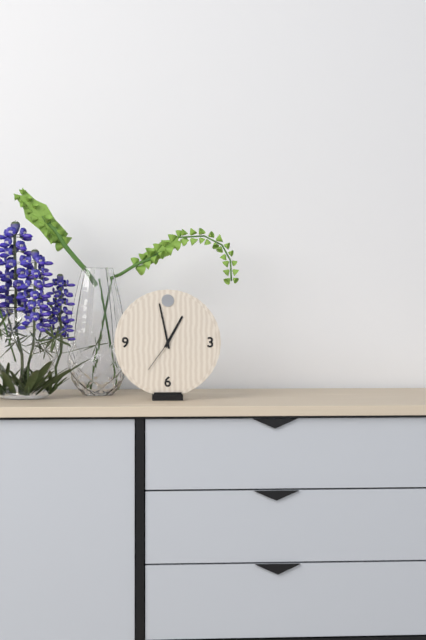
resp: 12h58
